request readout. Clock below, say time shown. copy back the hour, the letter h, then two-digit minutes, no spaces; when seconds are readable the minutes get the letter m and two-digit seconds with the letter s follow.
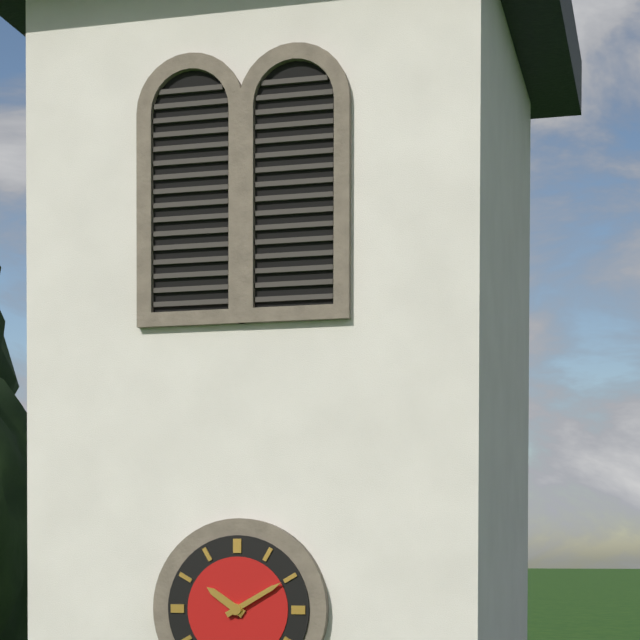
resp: 10h10
